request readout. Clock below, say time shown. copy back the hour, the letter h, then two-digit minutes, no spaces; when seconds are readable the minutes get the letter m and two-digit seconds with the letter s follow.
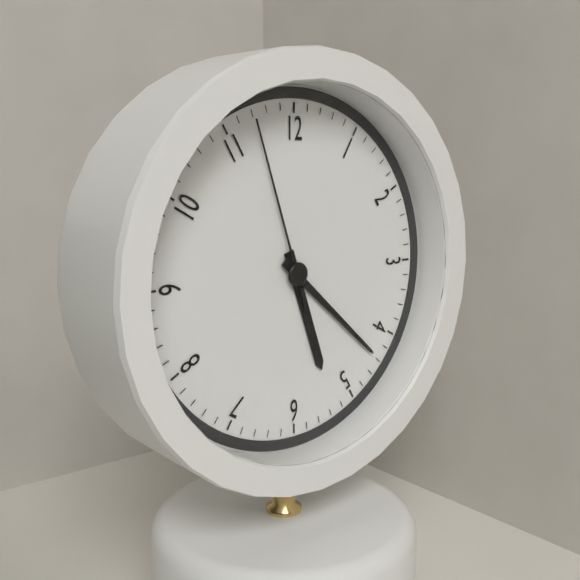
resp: 5h22m57s
